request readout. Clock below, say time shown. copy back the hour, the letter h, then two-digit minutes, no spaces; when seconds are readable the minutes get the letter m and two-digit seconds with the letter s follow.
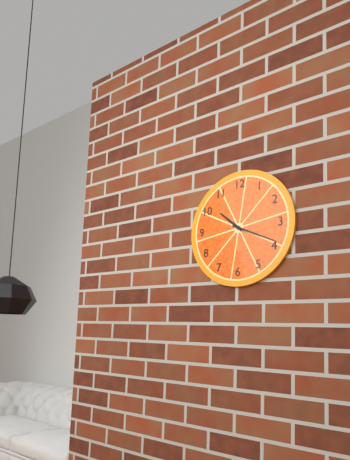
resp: 10h19
